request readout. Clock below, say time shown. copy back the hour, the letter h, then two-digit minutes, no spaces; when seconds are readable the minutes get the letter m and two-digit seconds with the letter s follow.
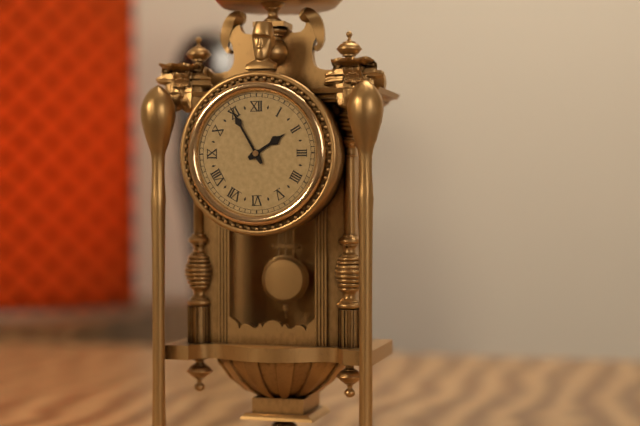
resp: 1h55
